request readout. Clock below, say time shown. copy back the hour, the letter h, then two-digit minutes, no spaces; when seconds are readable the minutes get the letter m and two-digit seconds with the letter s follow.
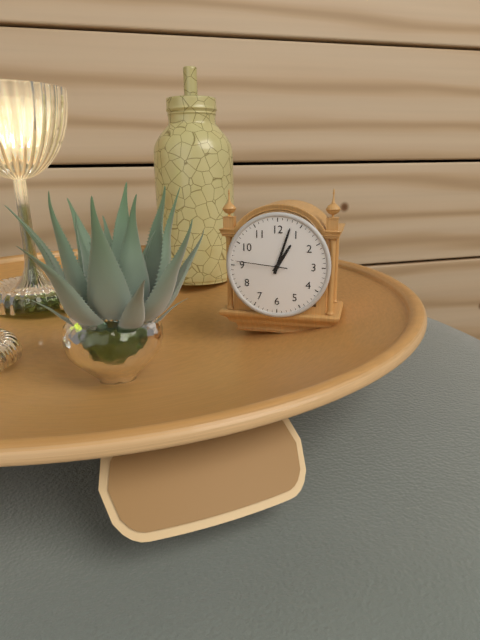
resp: 1h03m46s
